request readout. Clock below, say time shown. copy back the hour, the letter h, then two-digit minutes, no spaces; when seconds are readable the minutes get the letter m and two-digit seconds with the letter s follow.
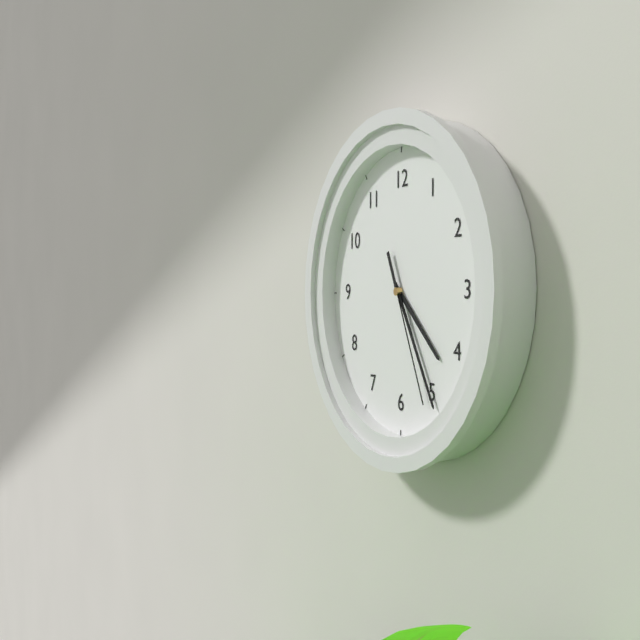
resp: 4h25m26s
